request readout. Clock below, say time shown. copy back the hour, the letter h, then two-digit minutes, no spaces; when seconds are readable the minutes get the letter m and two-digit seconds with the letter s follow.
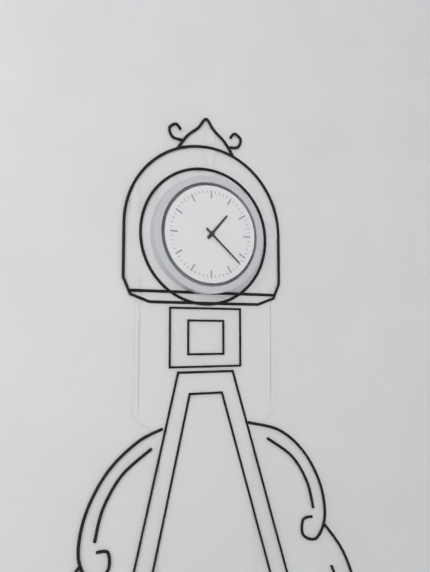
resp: 1h22
